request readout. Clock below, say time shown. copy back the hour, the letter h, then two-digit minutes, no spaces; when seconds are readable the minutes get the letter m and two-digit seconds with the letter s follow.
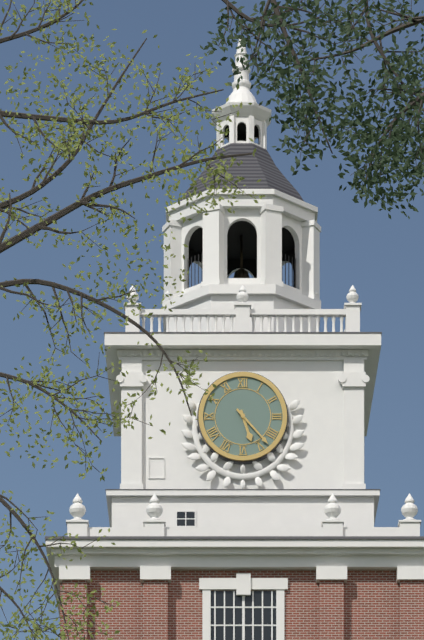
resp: 5h23
